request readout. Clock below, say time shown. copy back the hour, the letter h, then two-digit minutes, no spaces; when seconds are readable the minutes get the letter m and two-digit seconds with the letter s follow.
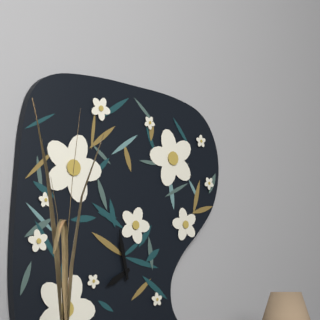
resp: 7h58
